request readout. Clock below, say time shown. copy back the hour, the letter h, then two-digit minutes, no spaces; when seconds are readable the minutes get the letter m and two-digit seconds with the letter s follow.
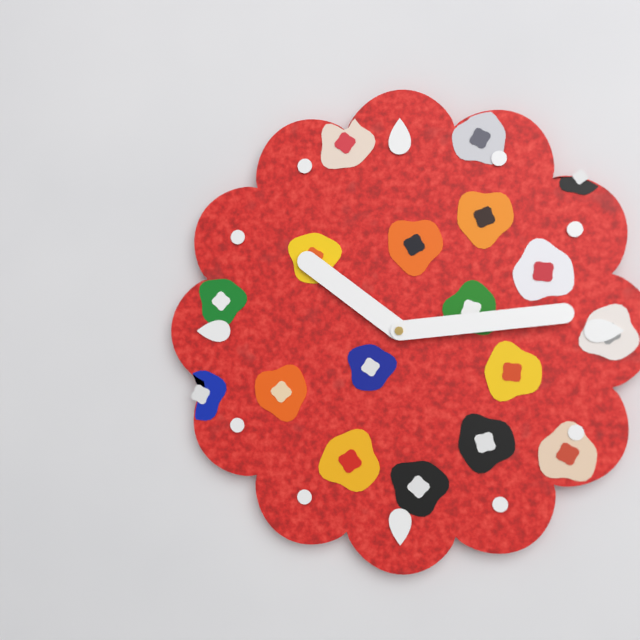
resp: 10h14
